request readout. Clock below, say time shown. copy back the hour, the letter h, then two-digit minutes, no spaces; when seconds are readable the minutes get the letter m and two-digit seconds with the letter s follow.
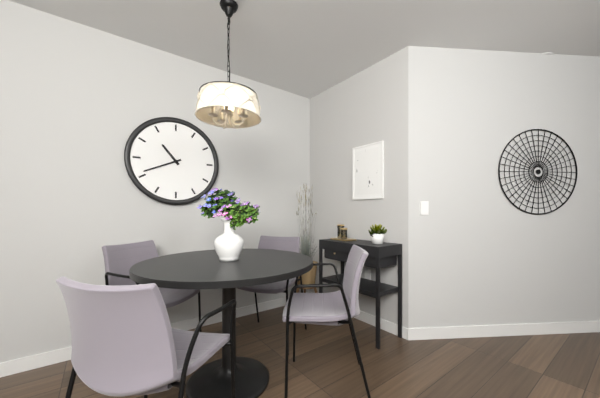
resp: 10h41
